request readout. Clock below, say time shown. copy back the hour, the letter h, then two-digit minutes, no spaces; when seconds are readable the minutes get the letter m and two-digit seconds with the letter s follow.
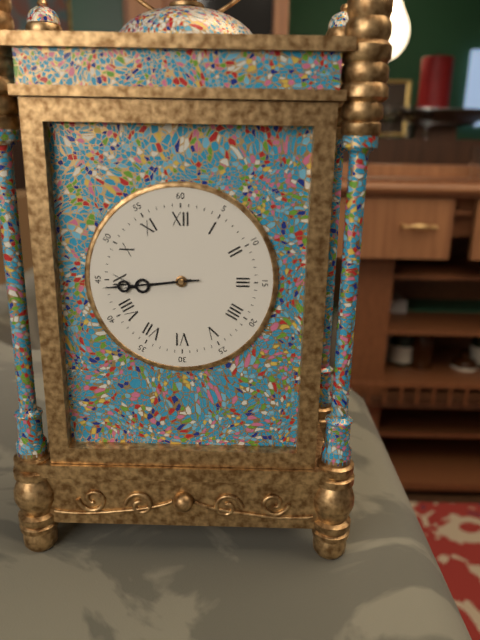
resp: 8h44
